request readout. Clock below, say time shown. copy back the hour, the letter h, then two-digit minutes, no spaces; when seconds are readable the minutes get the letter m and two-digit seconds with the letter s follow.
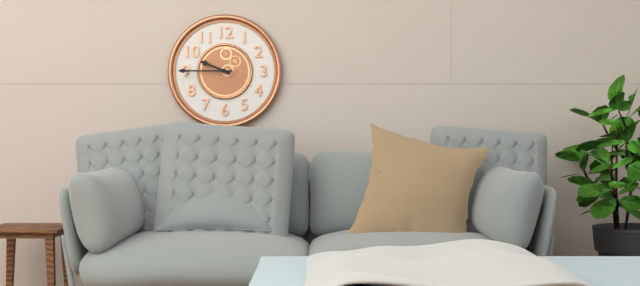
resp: 9h45
